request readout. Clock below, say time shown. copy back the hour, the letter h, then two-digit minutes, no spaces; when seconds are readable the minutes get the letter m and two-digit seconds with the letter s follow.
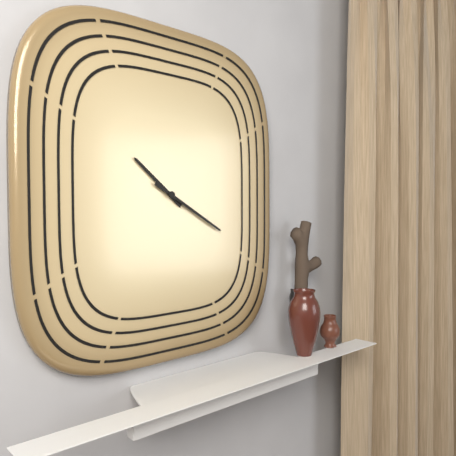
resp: 10h20
